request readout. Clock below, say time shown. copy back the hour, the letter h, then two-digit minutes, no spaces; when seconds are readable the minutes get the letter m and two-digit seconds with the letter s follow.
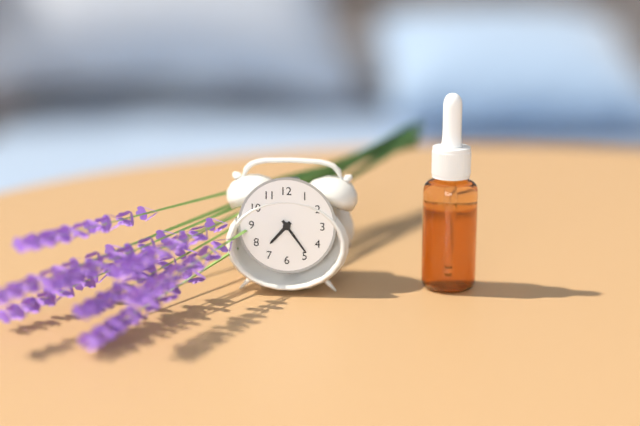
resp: 7h24
